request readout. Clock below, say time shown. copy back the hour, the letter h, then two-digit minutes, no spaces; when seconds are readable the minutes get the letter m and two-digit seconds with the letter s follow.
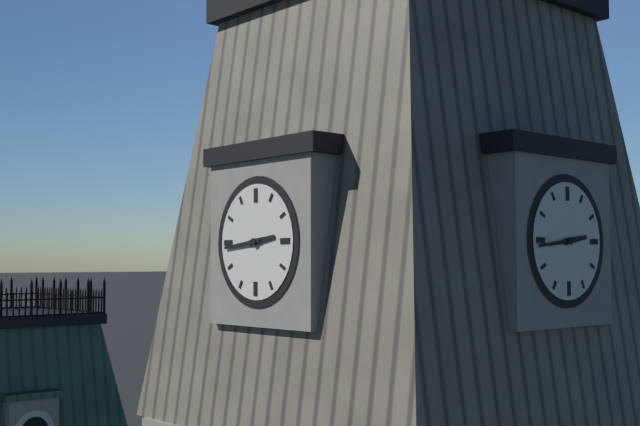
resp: 2h44
